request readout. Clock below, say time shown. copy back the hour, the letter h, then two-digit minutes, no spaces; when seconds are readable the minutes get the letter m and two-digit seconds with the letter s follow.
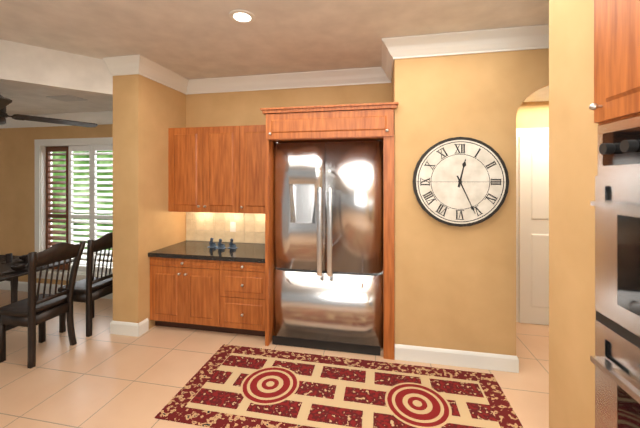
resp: 12h26
